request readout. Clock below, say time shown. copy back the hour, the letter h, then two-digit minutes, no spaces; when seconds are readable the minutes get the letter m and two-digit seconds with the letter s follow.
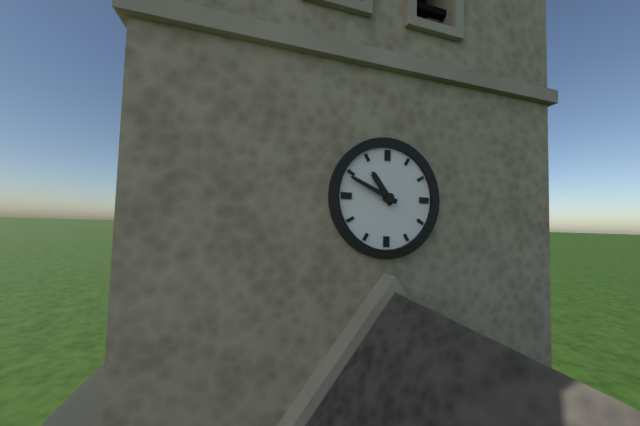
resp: 10h49
